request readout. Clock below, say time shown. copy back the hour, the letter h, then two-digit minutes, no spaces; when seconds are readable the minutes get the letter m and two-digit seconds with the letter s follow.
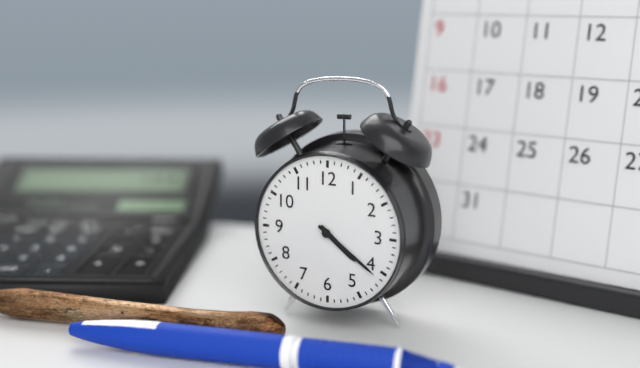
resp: 4h21
